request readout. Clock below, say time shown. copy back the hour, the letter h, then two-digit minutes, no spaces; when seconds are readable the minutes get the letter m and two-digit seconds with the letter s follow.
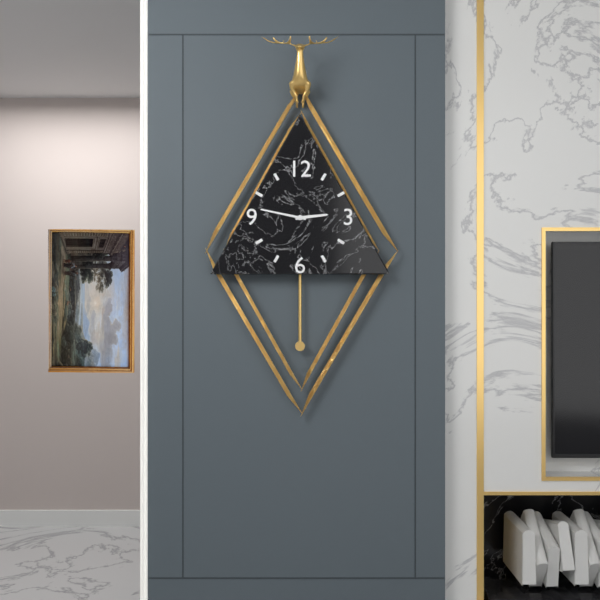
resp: 2h47
